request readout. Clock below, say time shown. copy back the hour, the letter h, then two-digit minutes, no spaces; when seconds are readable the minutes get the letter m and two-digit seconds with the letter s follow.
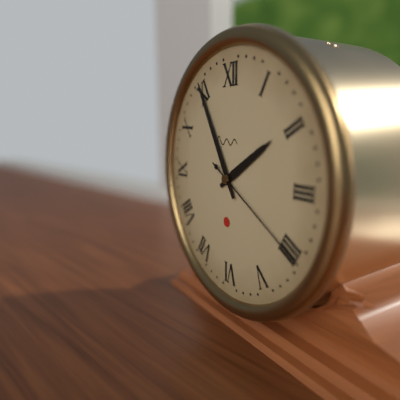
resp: 1h55m20s
